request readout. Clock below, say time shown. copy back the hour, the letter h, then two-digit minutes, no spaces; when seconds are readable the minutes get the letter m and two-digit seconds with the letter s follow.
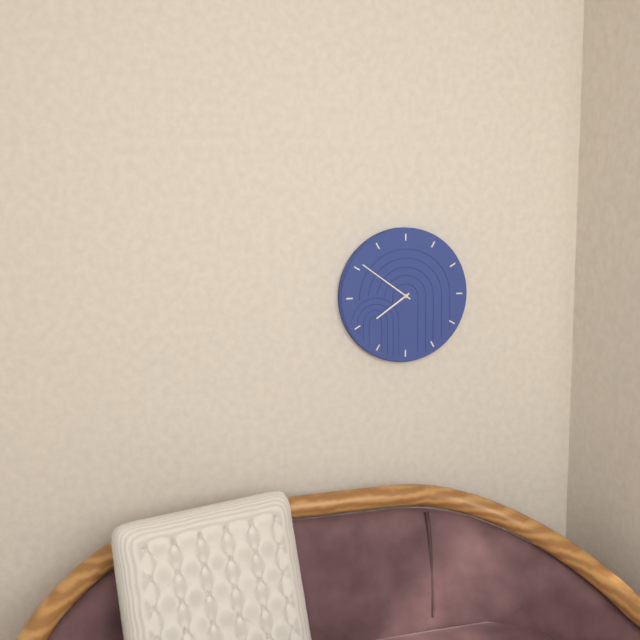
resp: 7h51
